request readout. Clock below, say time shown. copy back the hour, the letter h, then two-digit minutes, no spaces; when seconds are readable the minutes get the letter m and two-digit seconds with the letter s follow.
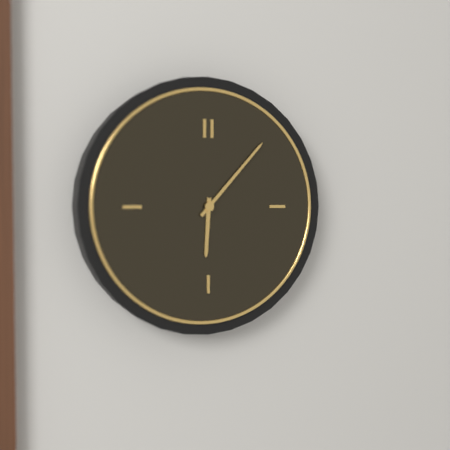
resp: 6h07
